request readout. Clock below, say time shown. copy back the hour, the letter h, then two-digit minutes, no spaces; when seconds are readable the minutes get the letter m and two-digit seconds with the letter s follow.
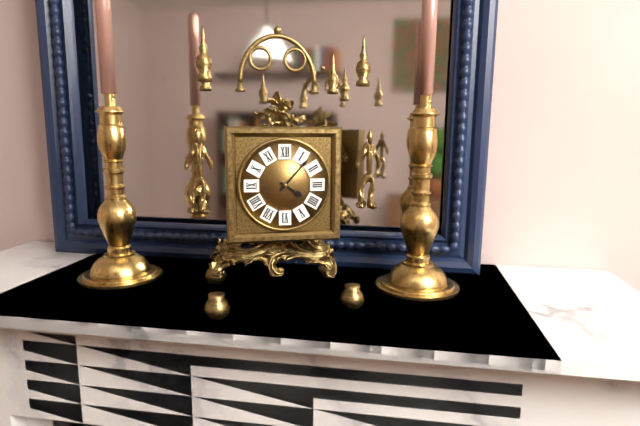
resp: 4h07
